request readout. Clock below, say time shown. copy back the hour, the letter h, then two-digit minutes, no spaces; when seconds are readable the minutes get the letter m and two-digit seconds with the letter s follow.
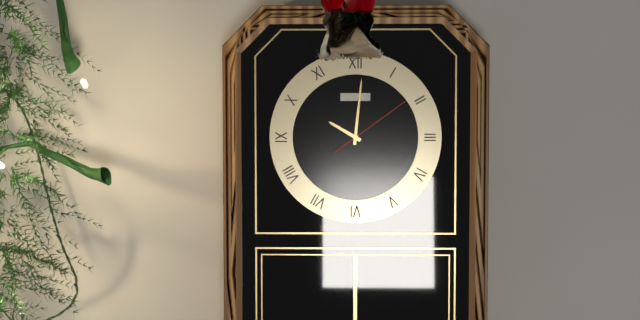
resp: 10h01m09s
